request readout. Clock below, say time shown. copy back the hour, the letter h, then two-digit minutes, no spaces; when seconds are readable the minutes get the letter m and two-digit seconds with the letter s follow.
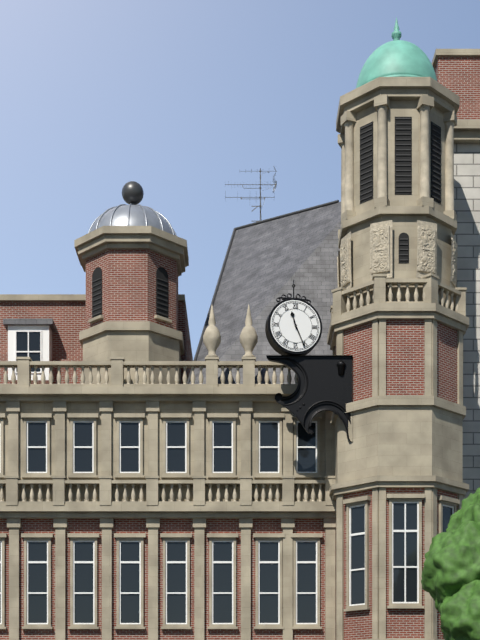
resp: 11h26
